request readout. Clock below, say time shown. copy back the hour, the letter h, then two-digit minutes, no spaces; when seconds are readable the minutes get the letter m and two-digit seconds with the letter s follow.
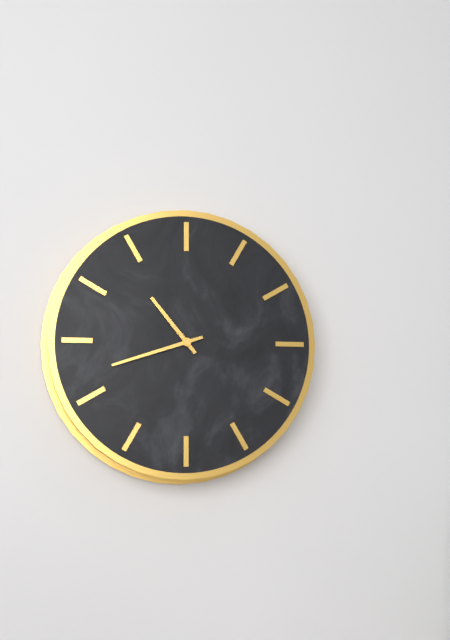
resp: 10h42
